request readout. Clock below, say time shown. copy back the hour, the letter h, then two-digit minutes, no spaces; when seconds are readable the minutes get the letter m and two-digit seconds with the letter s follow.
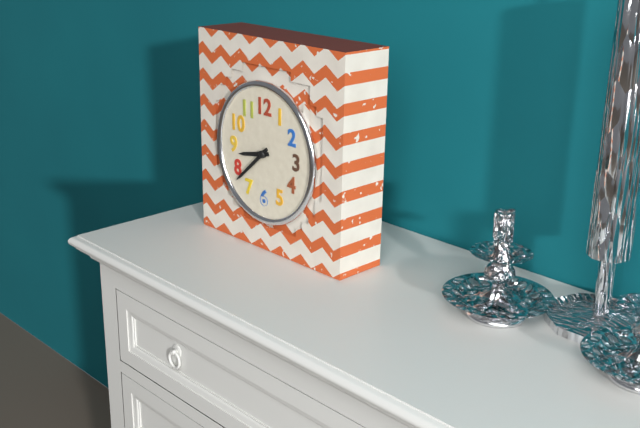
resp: 8h38
